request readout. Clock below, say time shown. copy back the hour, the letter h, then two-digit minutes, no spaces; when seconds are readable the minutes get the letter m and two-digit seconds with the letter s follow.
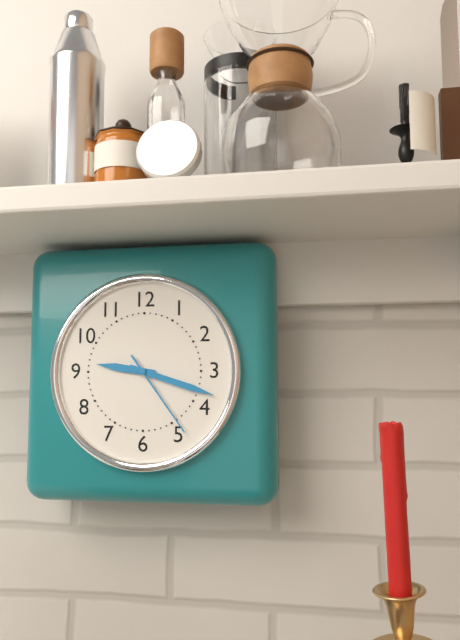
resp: 9h18m24s
